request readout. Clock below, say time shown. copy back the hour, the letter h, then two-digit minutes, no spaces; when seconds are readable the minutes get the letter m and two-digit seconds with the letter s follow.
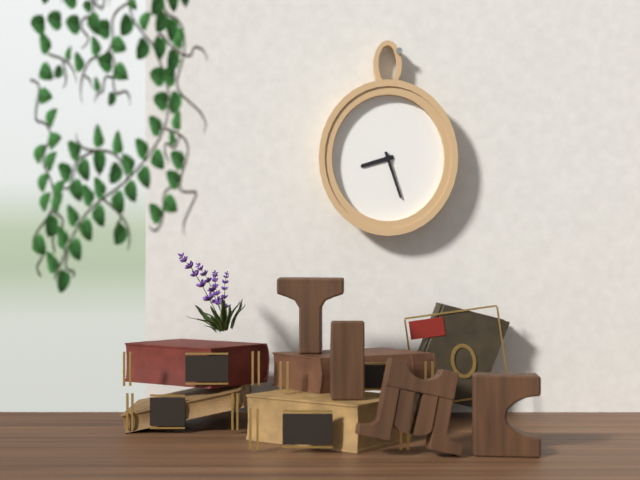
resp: 8h27
